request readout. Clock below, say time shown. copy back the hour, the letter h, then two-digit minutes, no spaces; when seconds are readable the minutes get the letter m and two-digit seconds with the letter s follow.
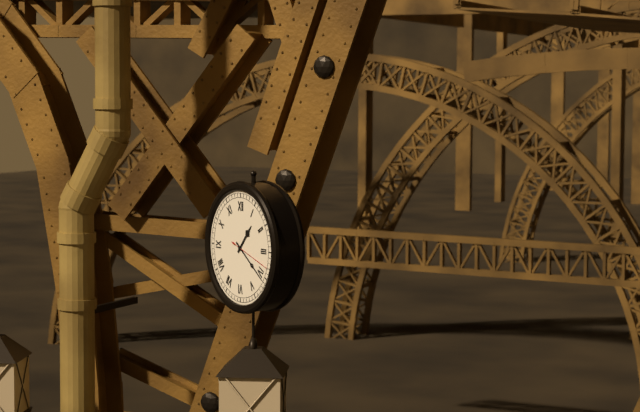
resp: 1h21
